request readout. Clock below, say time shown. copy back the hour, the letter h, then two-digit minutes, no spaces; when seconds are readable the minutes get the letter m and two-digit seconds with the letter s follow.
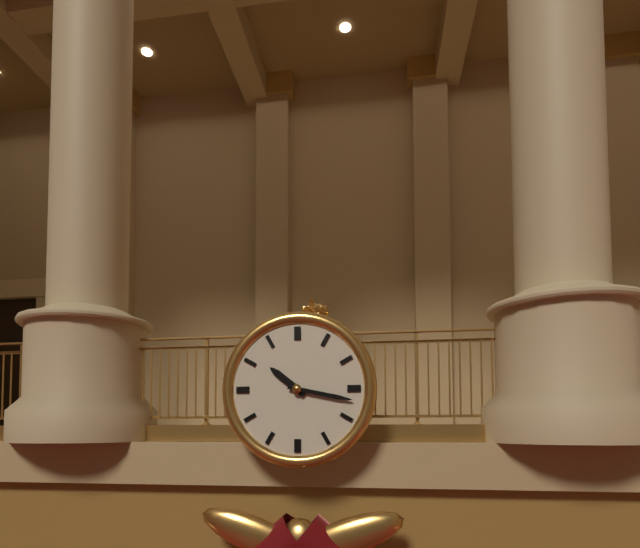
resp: 10h17
